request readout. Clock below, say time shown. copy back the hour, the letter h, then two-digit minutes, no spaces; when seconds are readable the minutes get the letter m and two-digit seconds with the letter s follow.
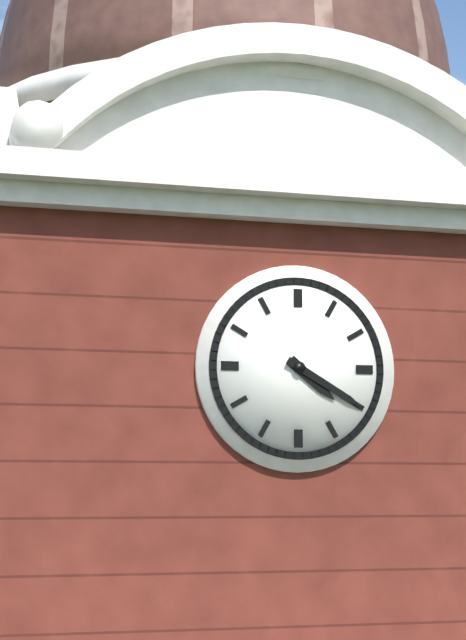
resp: 4h20
